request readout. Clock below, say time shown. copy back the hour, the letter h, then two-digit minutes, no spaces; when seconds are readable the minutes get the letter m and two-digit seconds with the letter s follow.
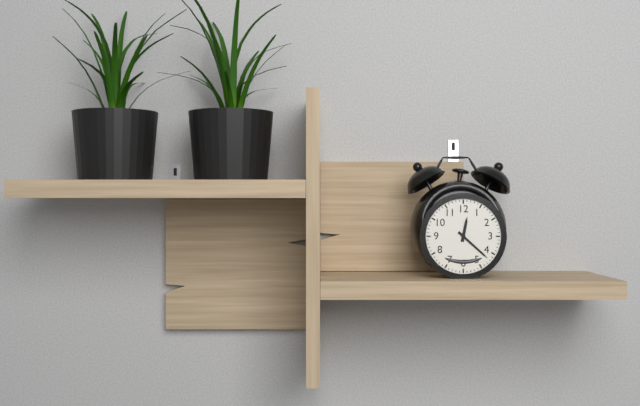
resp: 12h22
